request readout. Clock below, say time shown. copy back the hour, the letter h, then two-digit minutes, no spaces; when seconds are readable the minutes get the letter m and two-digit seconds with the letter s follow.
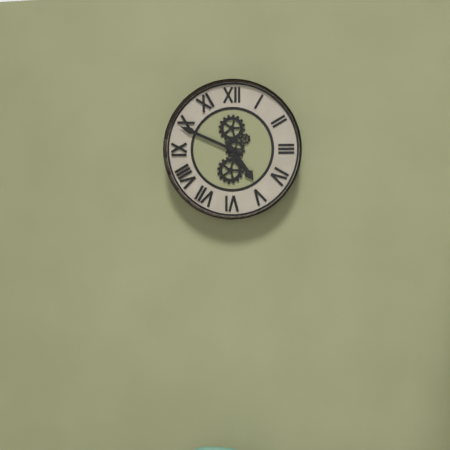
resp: 4h49
